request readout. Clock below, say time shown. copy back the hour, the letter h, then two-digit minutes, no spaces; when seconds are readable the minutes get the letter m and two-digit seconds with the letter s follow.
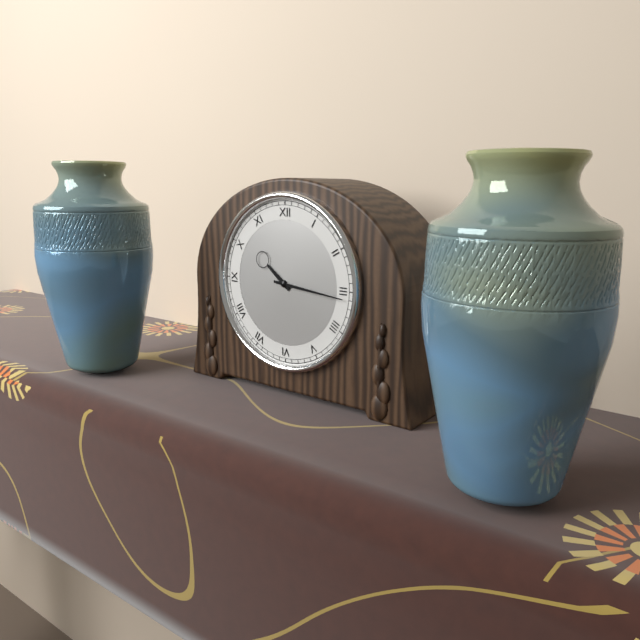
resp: 10h16
